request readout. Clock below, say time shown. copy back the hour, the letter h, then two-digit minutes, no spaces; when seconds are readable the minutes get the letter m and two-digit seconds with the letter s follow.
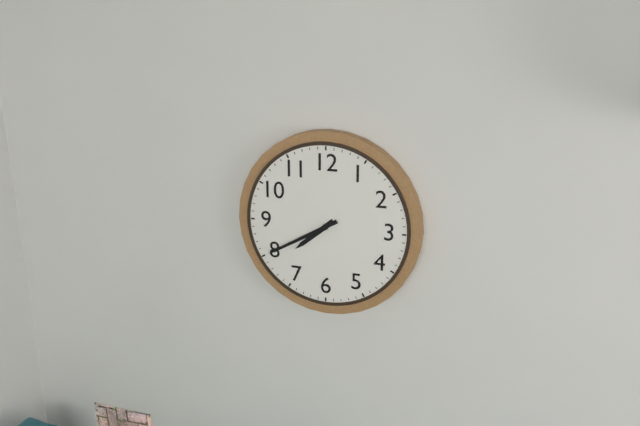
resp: 7h40
